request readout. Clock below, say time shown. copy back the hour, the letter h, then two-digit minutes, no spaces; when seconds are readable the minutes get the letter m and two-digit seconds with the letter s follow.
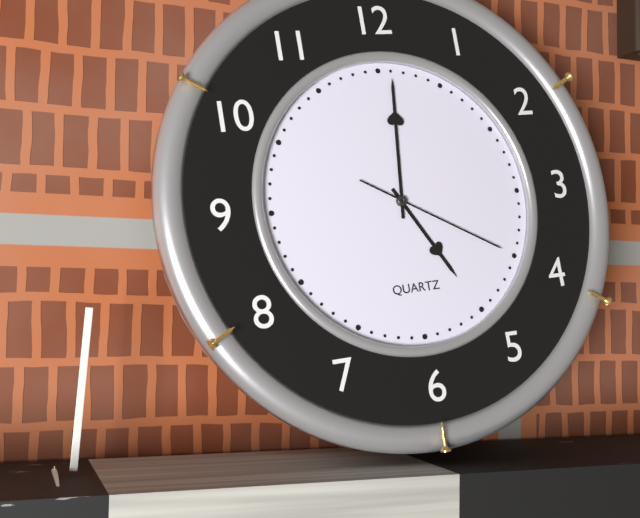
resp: 5h01m20s
